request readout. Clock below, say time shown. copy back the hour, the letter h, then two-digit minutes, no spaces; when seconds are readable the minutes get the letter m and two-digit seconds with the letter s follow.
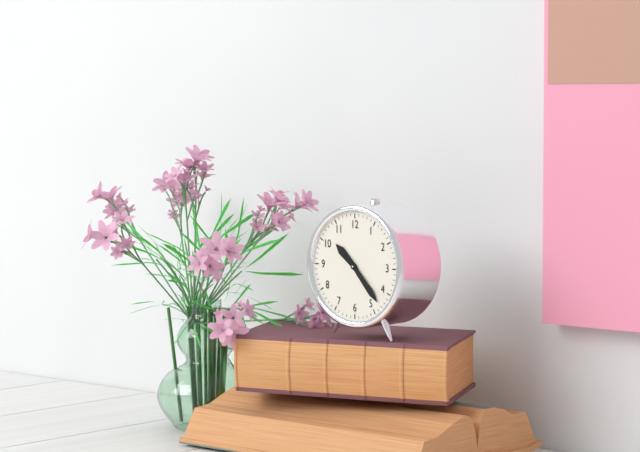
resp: 10h23
